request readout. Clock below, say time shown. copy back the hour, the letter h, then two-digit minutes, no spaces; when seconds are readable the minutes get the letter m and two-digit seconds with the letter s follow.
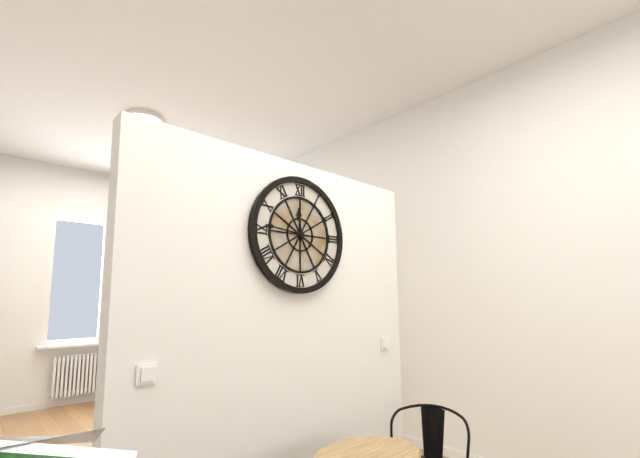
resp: 11h46
